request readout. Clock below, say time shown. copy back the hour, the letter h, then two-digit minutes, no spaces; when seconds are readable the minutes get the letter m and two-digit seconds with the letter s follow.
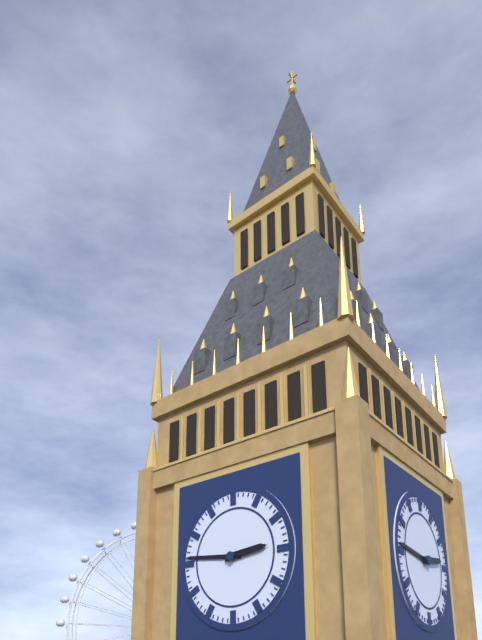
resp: 2h46
